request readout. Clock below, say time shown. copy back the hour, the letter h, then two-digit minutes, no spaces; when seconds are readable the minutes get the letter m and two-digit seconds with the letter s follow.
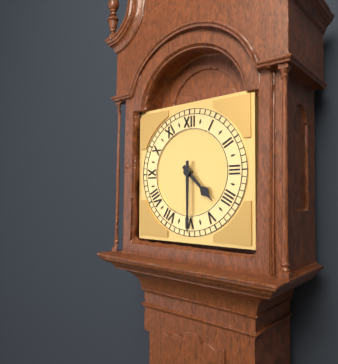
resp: 4h30
